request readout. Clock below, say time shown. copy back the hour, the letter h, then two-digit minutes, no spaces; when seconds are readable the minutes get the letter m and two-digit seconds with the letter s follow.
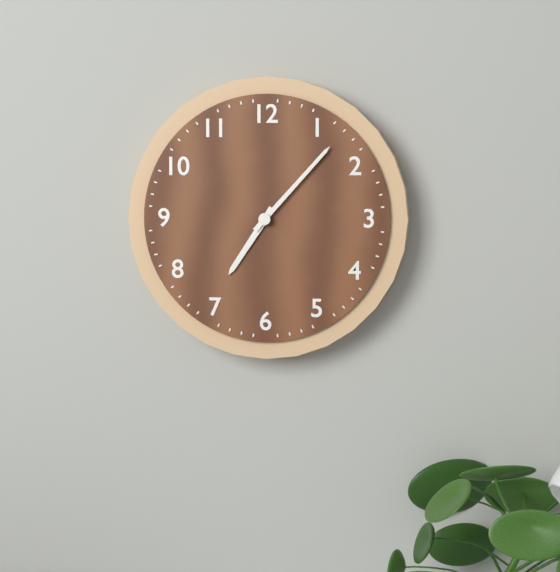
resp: 7h07
